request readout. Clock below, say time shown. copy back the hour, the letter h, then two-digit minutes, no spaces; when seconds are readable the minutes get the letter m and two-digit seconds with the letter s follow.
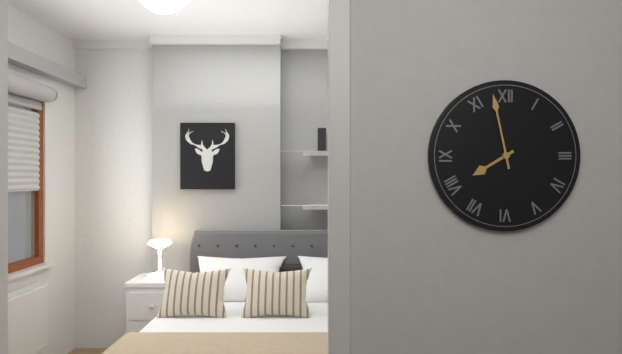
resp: 7h58
